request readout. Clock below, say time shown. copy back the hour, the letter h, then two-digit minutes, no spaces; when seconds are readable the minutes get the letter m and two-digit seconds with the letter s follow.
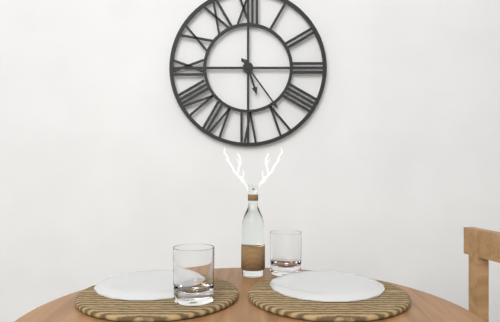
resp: 5h24
